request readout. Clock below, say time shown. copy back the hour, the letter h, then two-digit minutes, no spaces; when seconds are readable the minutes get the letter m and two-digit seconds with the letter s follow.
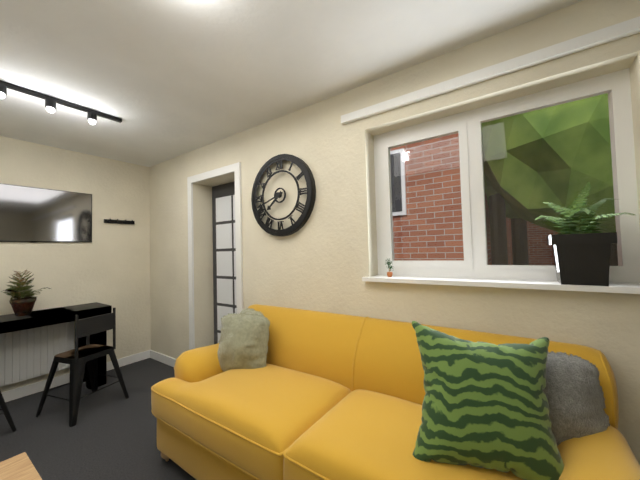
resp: 7h42
